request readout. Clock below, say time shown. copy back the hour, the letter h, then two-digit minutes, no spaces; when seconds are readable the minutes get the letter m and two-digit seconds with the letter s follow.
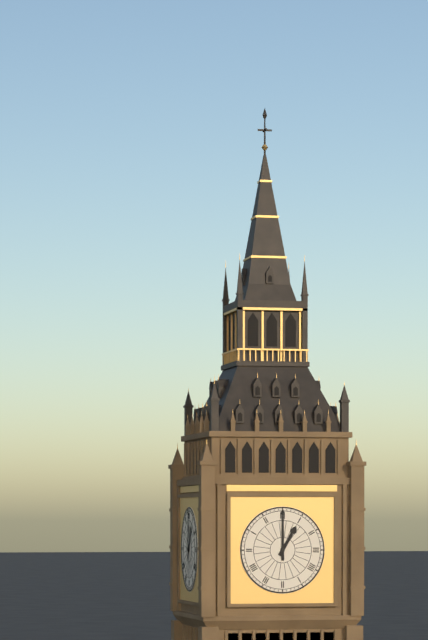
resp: 1h00
